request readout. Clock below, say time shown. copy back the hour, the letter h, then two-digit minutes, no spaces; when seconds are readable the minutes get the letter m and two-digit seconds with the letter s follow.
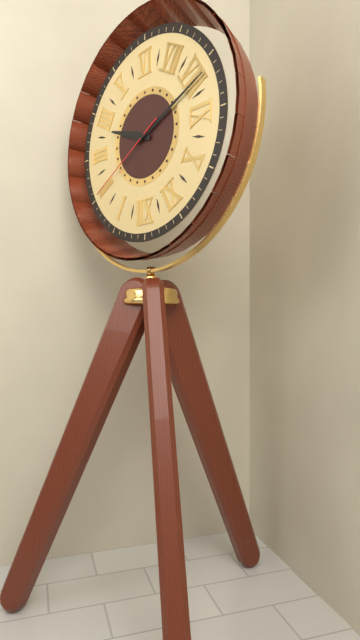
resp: 3h41m10s
